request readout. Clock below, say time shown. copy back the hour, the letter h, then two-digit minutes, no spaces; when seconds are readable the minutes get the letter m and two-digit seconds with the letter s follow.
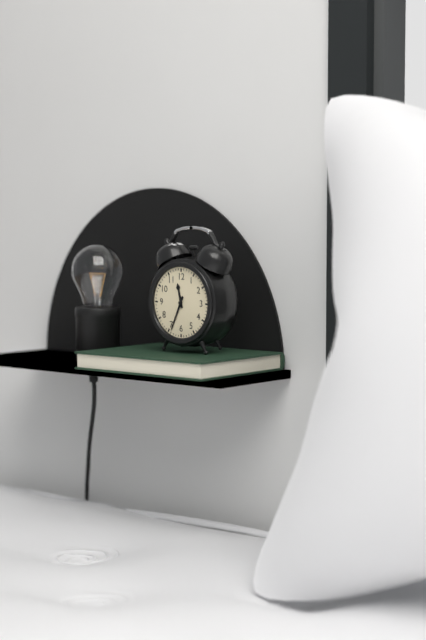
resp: 11h34
